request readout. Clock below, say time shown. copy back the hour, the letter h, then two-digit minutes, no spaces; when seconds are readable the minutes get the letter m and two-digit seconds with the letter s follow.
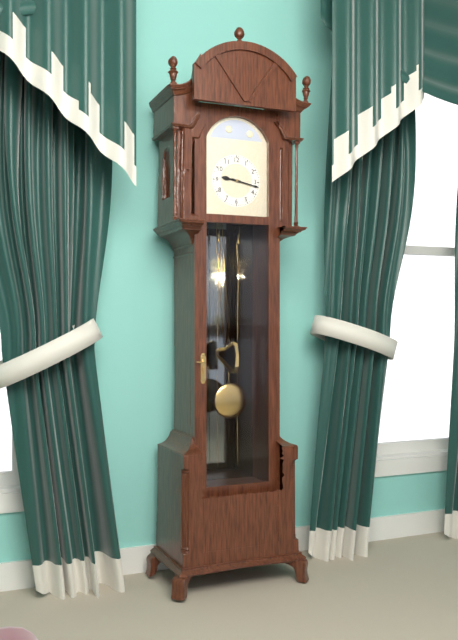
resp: 9h17
